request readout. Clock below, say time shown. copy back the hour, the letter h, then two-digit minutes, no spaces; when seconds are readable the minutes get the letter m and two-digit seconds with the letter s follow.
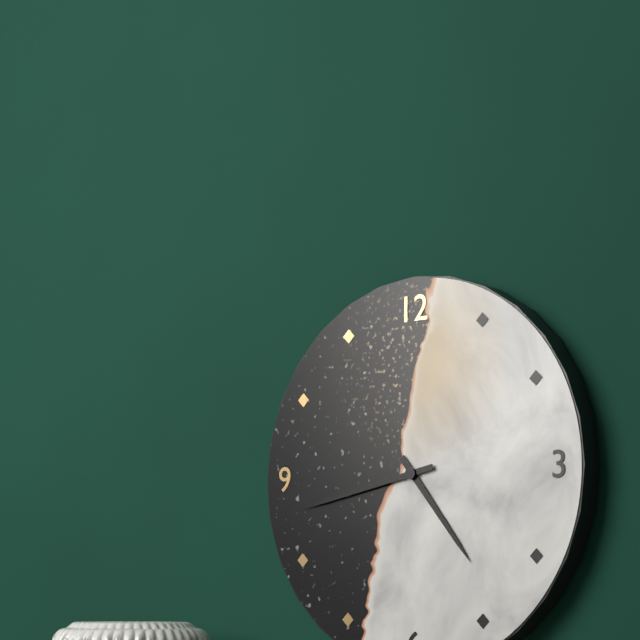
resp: 4h43
